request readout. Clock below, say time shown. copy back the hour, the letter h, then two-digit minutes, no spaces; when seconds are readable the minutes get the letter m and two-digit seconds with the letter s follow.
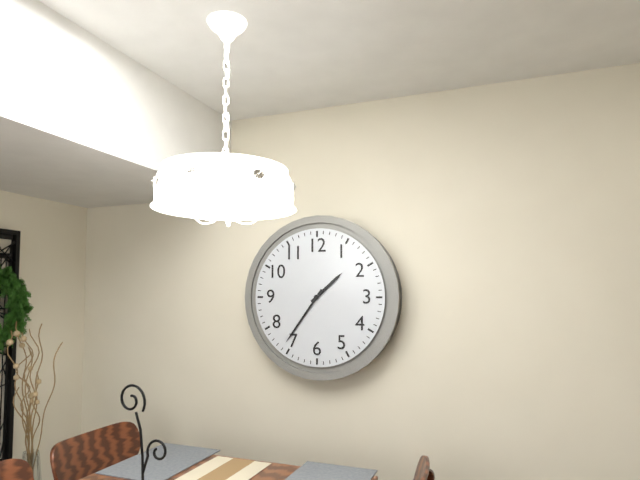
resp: 1h36
